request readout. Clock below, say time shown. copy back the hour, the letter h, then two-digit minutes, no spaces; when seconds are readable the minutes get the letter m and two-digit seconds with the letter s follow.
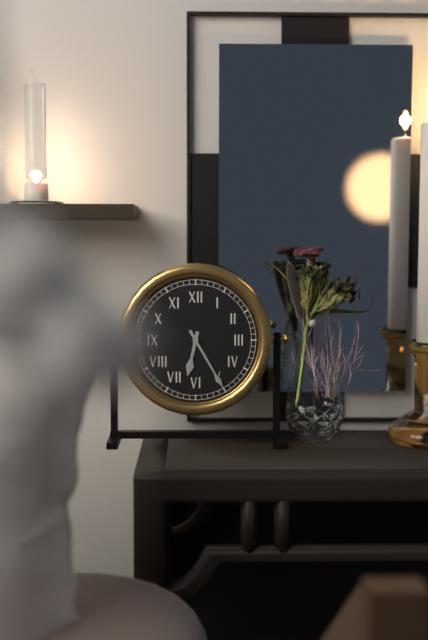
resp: 6h25
